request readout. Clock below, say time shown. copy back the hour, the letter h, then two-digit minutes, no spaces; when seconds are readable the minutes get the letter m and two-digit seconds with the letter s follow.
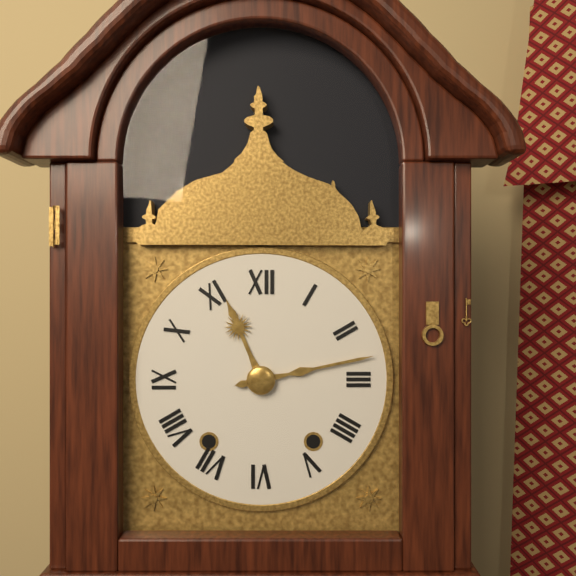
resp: 11h13
